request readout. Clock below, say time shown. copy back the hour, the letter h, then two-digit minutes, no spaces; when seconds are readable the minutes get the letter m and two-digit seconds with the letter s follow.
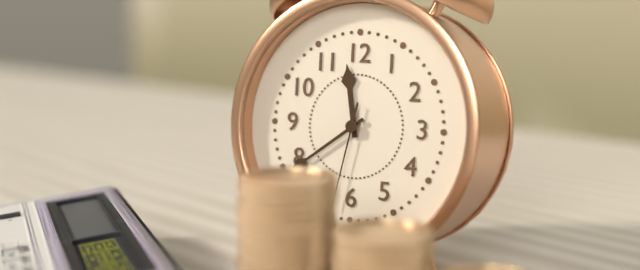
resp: 11h39m32s
